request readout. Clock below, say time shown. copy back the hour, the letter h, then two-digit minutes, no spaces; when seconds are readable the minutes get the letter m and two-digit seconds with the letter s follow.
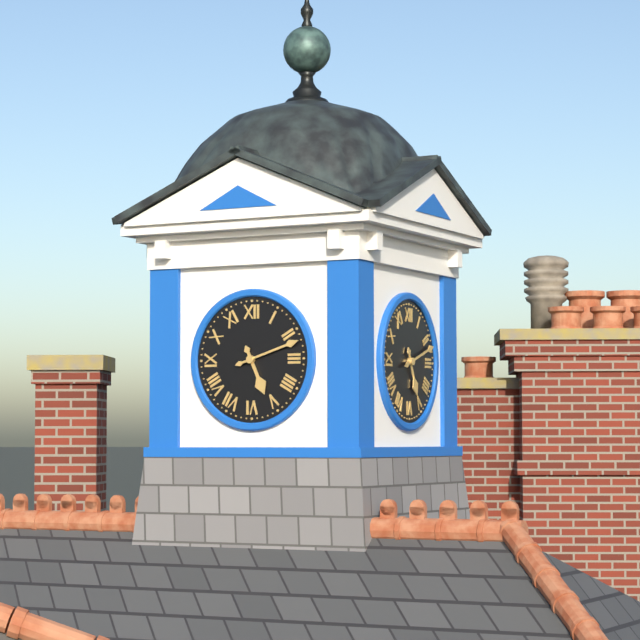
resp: 5h12
